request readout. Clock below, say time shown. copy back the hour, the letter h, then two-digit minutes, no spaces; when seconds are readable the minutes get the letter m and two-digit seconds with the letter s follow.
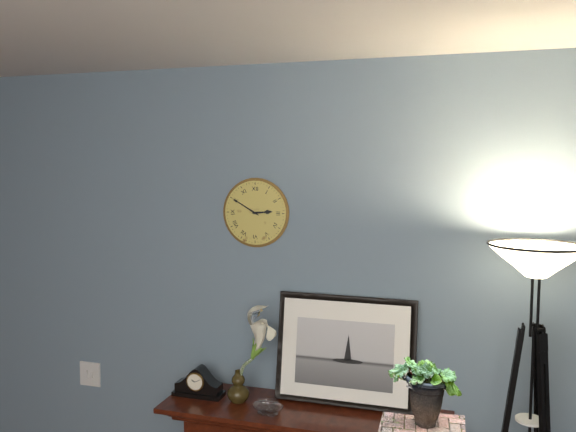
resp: 2h50
